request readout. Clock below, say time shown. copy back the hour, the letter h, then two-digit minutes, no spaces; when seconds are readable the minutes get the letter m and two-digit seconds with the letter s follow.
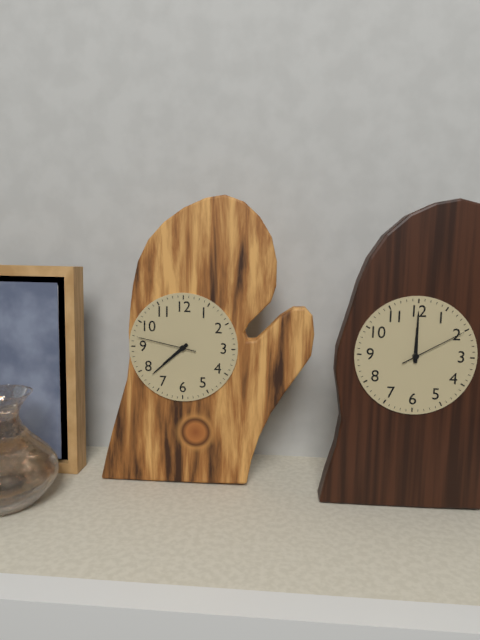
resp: 7h38m47s
